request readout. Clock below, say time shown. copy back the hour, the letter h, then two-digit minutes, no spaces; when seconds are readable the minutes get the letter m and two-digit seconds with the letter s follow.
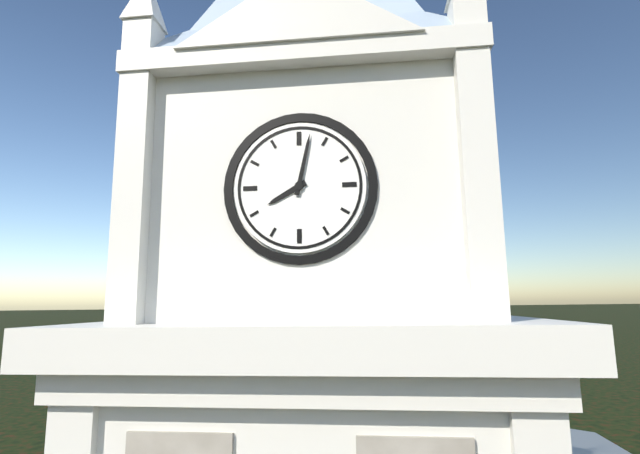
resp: 8h02
